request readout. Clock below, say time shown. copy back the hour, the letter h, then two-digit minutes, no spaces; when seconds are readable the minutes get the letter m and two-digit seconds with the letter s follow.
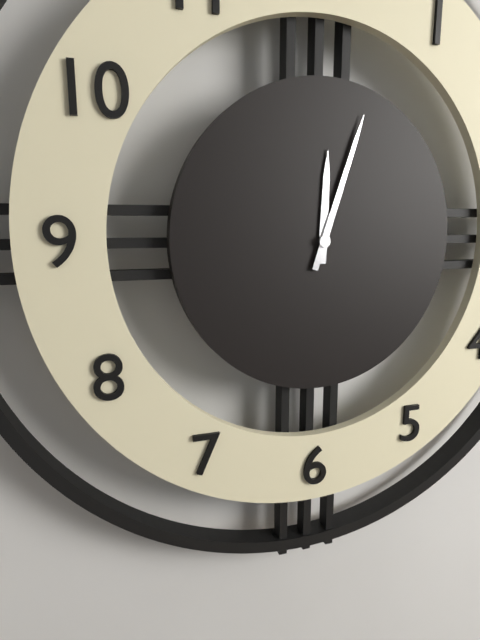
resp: 12h03
